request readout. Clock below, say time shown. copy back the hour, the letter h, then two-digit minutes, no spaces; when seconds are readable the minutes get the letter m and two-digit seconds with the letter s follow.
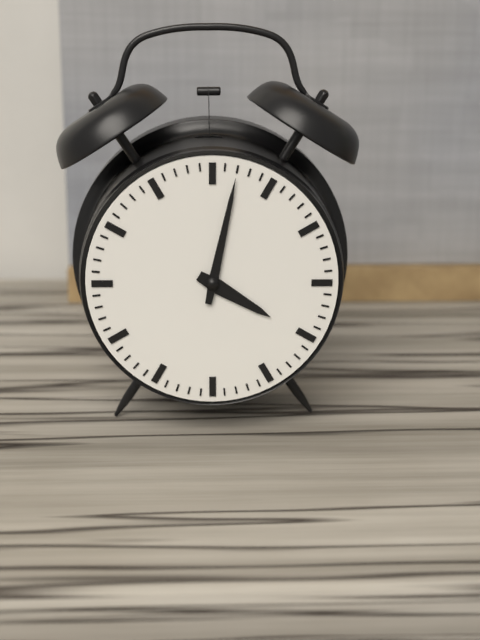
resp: 4h02
